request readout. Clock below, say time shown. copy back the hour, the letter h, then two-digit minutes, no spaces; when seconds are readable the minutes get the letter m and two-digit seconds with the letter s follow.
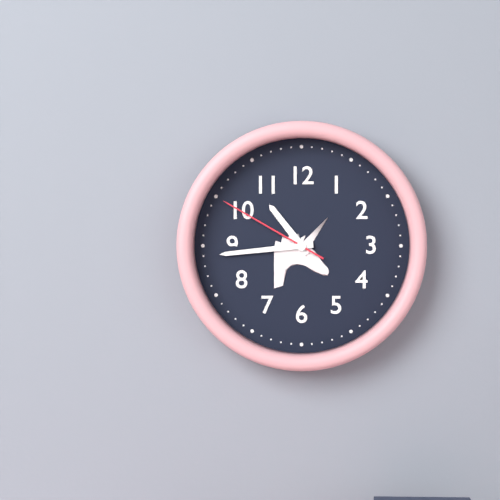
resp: 10h44m50s
